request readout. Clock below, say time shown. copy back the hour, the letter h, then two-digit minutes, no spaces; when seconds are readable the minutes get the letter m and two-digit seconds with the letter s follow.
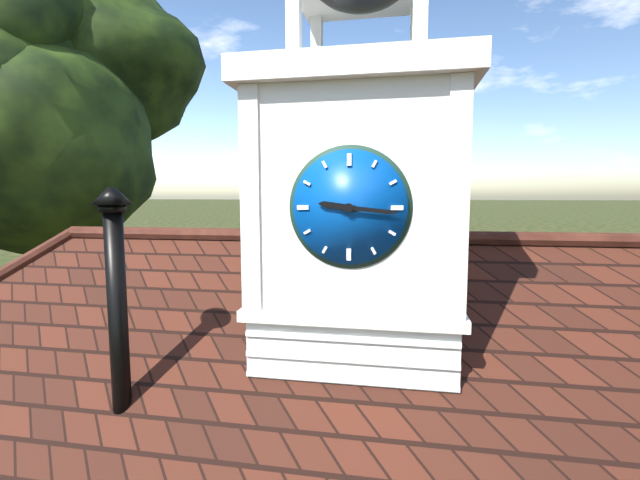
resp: 9h16
